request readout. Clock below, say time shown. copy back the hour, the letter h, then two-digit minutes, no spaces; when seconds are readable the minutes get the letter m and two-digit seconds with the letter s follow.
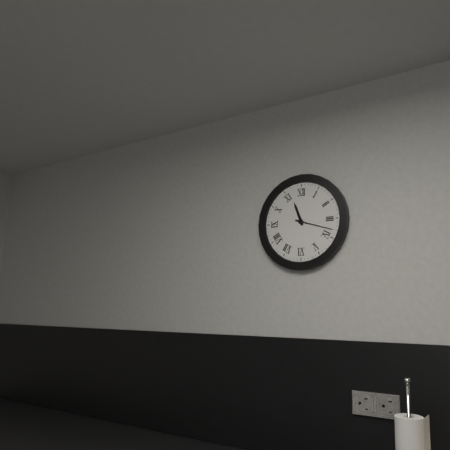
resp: 11h18
